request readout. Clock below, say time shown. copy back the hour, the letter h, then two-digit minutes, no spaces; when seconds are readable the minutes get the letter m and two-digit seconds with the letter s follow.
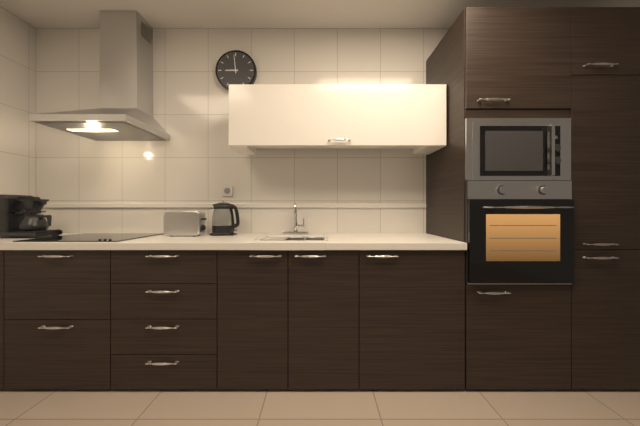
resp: 8h59
